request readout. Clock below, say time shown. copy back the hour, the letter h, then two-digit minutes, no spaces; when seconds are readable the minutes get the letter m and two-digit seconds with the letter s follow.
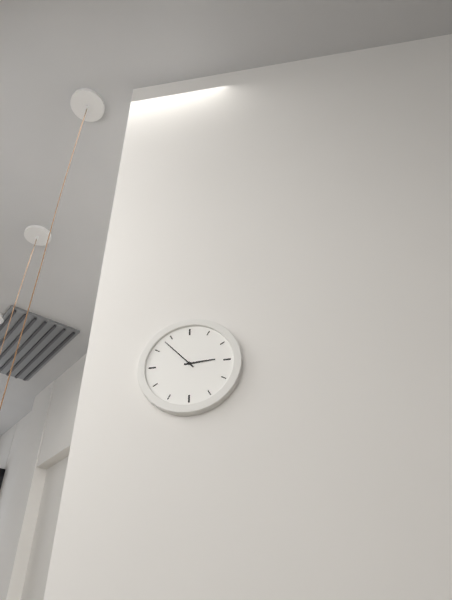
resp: 2h53
